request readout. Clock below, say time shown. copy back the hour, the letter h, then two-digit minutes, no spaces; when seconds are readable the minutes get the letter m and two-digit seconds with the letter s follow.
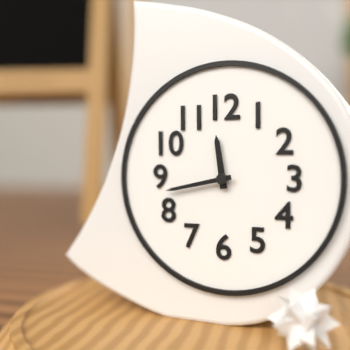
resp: 11h43
